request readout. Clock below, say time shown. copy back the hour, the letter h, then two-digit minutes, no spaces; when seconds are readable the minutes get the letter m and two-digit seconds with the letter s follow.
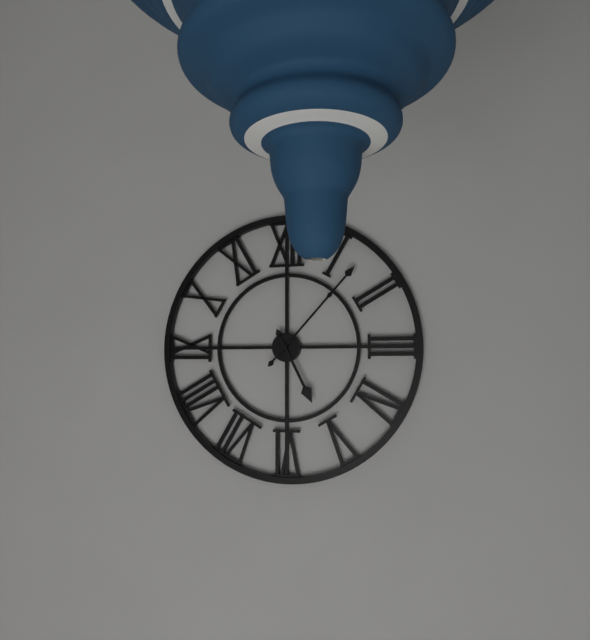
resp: 5h07
